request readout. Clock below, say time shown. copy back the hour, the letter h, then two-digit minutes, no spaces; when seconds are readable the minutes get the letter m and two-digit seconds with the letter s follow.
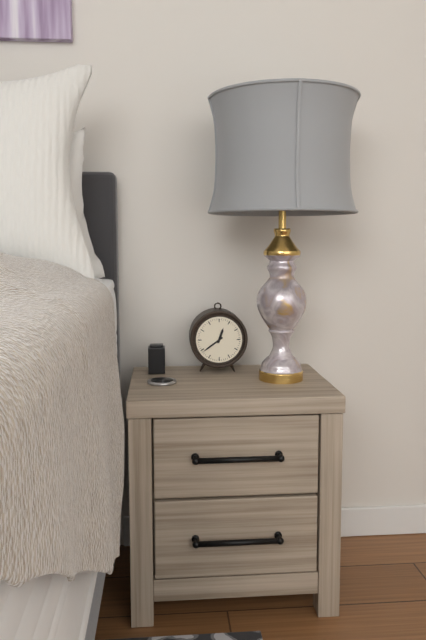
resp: 12h39
